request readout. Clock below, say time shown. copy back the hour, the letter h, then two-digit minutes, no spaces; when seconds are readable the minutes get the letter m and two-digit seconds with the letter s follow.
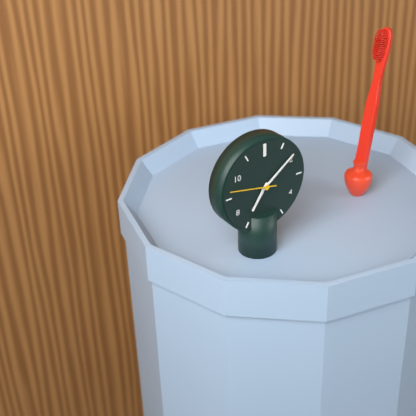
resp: 7h09
